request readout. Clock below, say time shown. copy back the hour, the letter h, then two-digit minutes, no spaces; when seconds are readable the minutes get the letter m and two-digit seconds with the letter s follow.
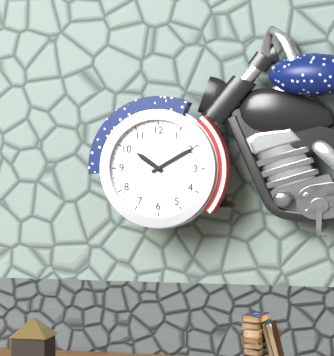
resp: 10h10
